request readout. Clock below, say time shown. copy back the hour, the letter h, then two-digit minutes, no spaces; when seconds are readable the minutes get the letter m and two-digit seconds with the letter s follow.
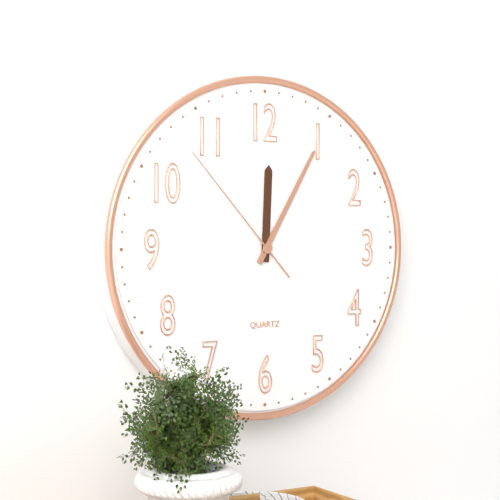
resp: 12h05m53s
